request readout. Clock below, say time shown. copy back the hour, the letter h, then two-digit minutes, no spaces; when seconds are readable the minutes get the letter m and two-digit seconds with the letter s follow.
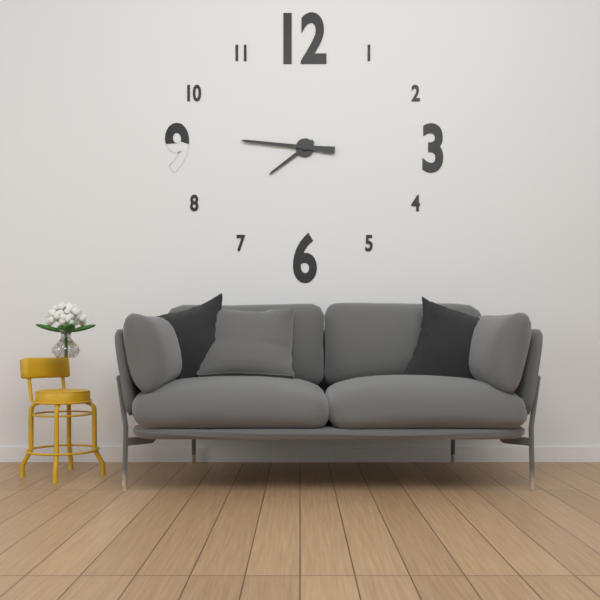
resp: 7h46
